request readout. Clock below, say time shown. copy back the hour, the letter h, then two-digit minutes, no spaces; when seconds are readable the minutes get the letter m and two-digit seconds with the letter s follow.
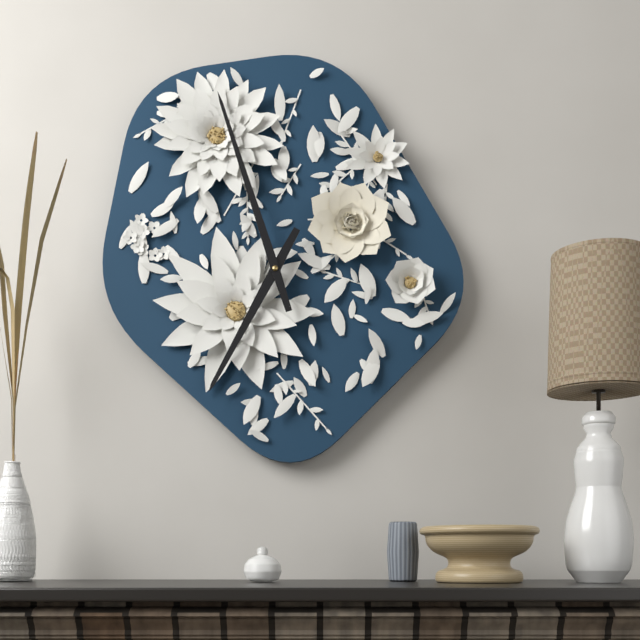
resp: 6h57
